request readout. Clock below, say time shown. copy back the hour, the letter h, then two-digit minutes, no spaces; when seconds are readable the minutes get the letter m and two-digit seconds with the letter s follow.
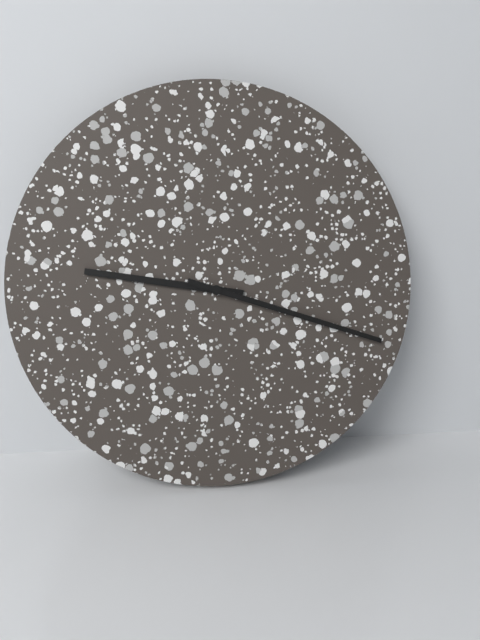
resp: 9h18
